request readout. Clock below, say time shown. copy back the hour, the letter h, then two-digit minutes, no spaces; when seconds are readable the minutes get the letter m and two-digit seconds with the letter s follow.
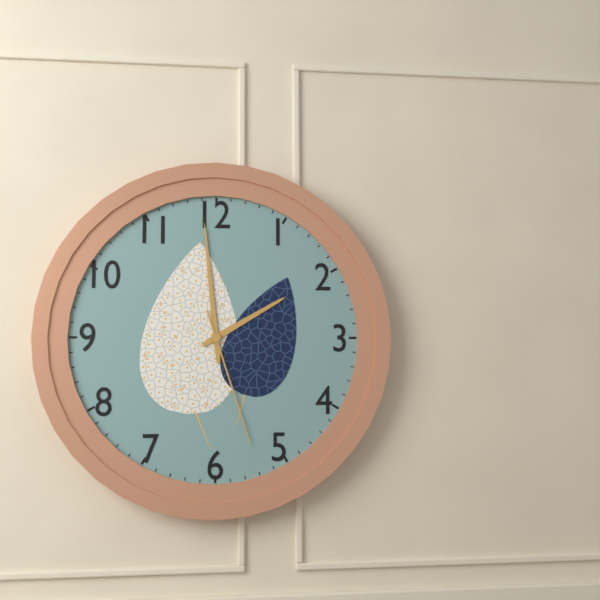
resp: 1h59m27s
